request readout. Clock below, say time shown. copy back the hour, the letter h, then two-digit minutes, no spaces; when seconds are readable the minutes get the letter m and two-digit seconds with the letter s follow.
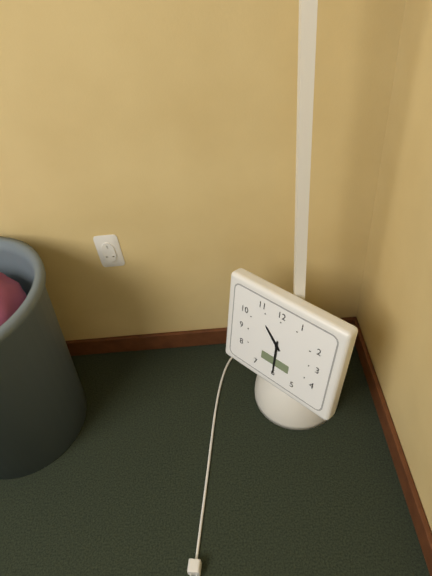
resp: 10h30
